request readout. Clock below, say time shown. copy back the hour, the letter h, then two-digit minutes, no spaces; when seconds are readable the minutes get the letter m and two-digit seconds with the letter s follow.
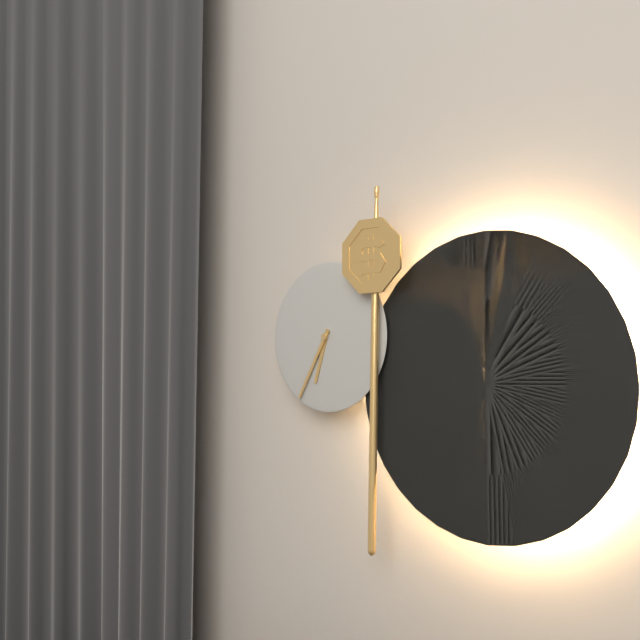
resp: 6h35
